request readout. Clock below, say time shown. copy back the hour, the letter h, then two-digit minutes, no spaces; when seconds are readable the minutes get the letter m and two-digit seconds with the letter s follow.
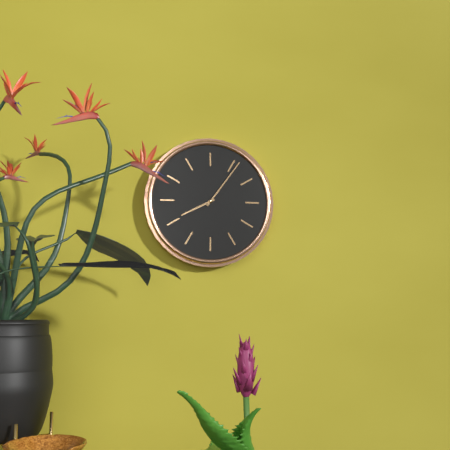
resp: 8h06
